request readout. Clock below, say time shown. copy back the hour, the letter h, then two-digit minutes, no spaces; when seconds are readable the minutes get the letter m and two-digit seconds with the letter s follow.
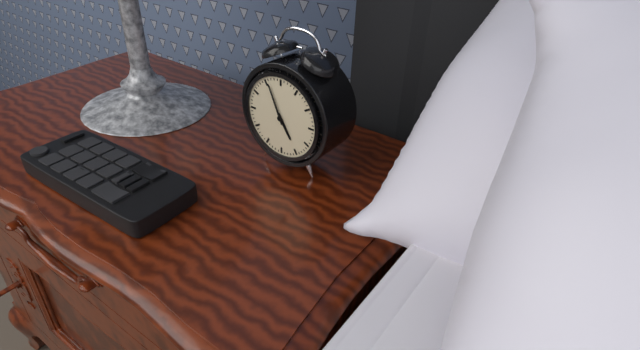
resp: 4h56
